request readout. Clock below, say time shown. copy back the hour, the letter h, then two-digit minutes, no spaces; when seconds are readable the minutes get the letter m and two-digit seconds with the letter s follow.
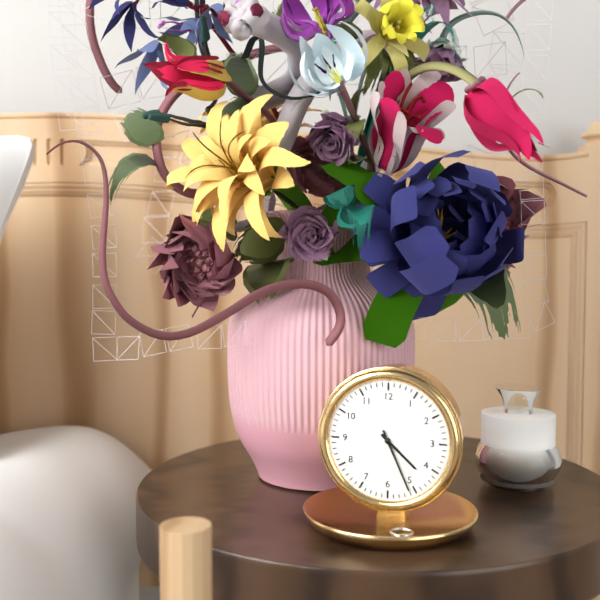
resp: 4h26
